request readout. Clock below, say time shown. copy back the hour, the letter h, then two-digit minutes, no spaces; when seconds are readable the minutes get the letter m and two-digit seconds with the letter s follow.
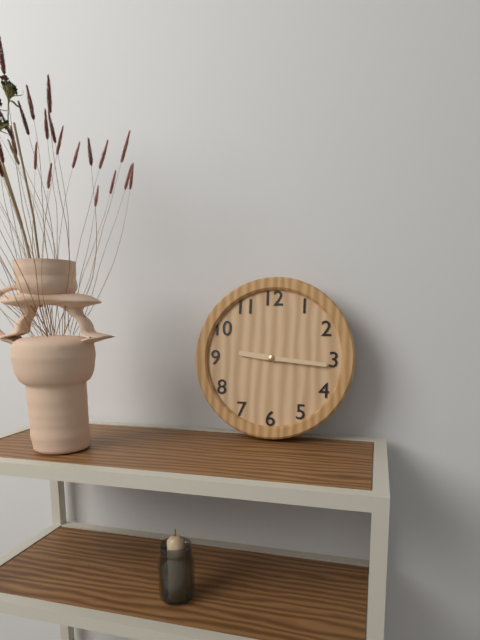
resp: 9h16
